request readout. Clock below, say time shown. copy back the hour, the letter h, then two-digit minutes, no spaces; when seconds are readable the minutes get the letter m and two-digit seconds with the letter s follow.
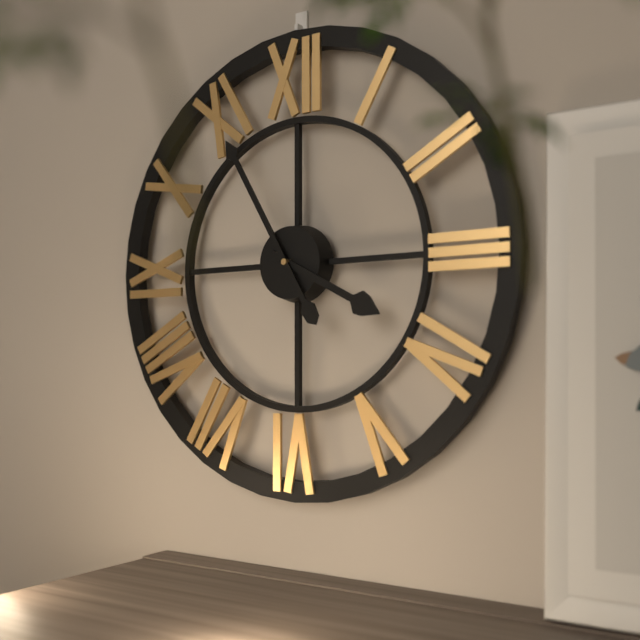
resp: 3h55
